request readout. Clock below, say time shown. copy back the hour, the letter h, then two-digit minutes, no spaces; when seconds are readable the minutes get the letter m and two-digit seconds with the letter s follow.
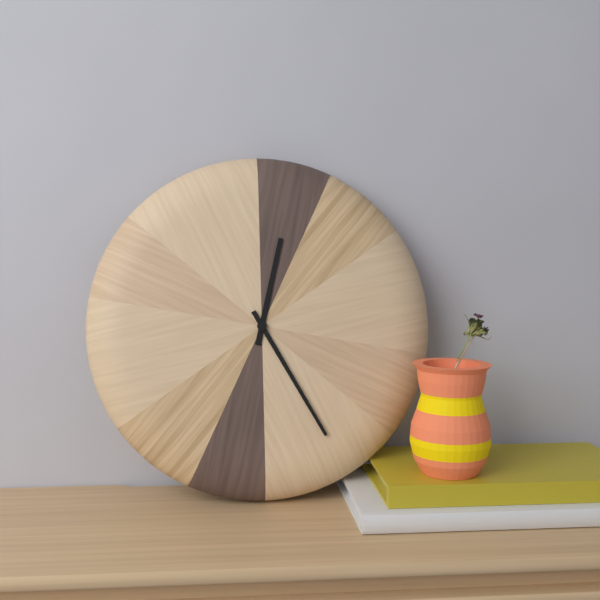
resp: 12h25
